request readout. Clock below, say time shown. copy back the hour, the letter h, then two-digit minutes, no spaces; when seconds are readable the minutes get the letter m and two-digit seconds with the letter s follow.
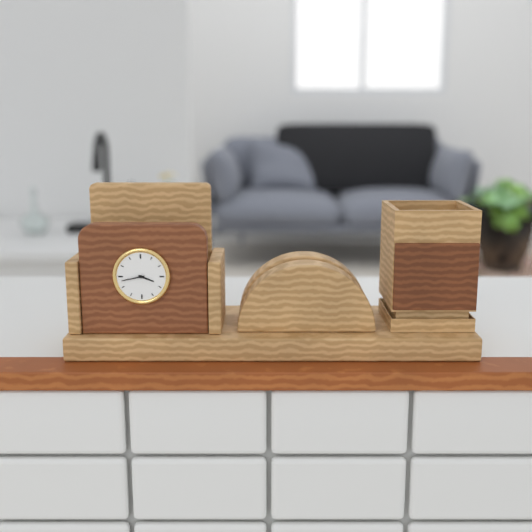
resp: 3h43
